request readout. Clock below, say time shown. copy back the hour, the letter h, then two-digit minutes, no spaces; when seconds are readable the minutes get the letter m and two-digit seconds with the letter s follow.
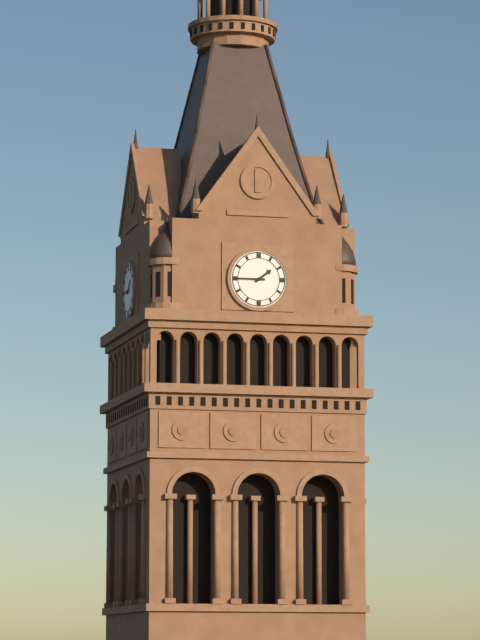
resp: 1h45
